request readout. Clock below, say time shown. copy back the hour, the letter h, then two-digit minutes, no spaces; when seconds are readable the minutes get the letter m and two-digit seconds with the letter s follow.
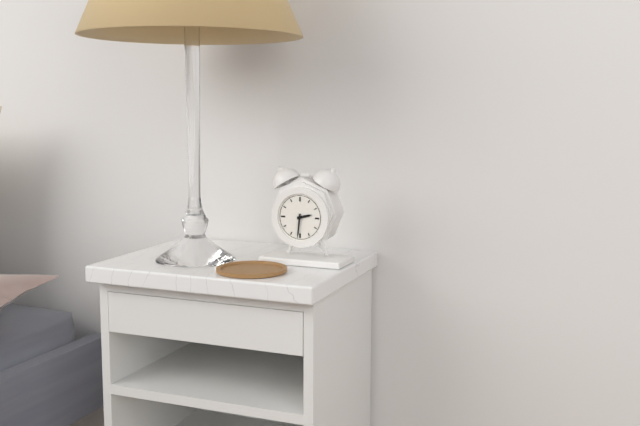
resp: 2h31
